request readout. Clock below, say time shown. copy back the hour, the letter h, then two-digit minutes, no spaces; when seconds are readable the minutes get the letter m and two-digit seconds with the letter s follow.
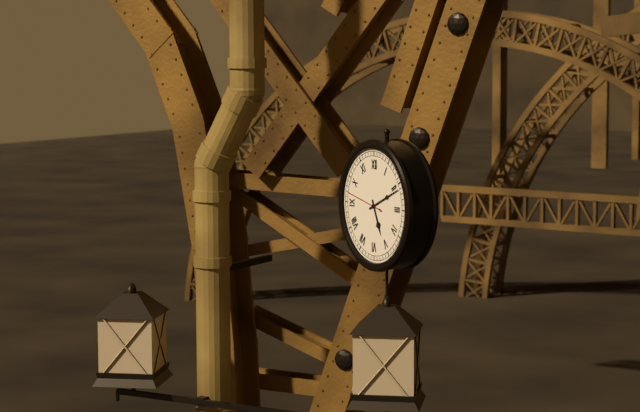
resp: 5h11
